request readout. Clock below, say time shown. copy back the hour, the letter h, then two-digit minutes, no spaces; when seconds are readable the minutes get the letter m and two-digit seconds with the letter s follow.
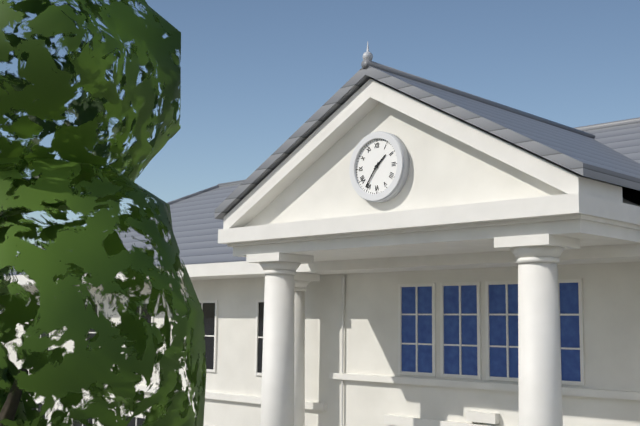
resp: 1h36
